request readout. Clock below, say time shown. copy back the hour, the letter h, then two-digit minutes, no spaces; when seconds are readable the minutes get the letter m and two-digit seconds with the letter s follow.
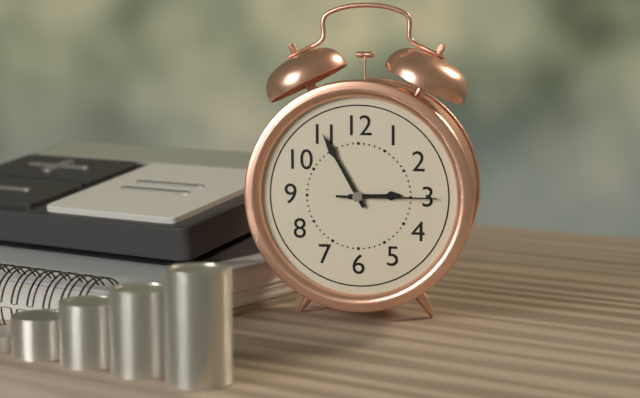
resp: 2h55m15s
